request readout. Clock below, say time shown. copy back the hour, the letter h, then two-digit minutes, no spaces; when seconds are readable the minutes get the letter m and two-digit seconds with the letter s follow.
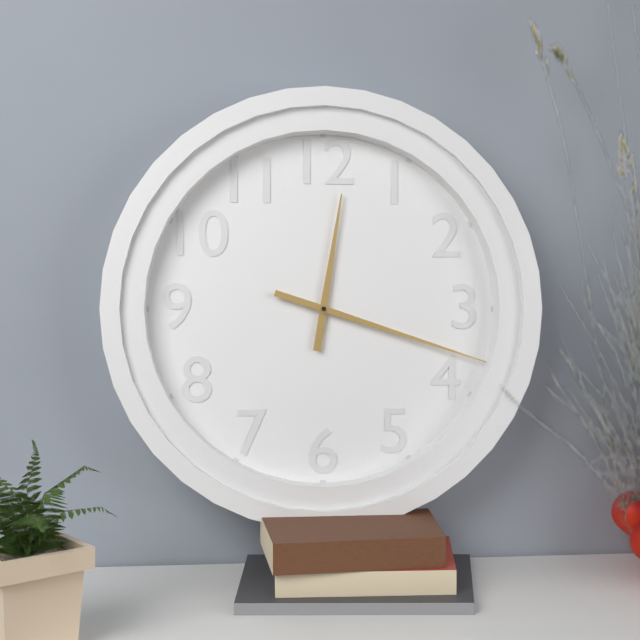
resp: 12h18
